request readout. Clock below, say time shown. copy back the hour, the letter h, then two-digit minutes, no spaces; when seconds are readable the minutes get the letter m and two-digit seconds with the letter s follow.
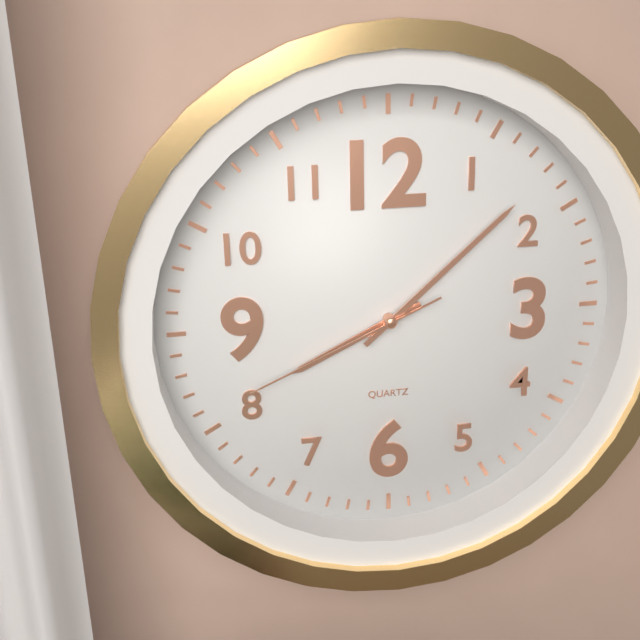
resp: 8h08m41s
